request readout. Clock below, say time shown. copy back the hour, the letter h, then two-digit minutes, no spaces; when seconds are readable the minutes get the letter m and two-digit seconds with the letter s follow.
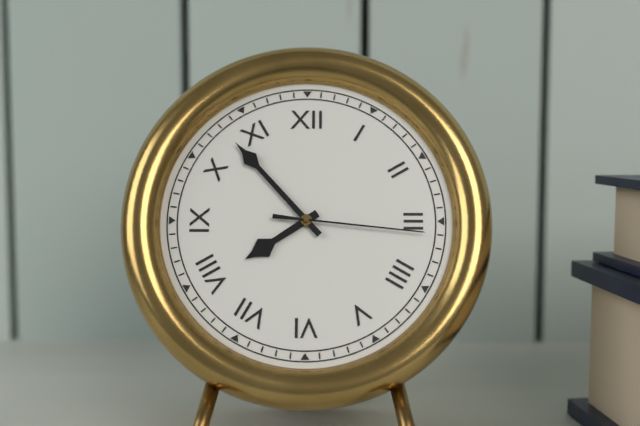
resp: 7h53m16s
